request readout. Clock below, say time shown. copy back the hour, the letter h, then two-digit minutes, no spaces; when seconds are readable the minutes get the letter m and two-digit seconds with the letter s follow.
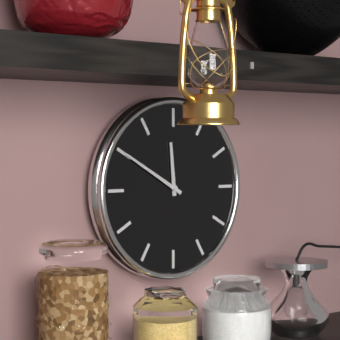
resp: 11h50
